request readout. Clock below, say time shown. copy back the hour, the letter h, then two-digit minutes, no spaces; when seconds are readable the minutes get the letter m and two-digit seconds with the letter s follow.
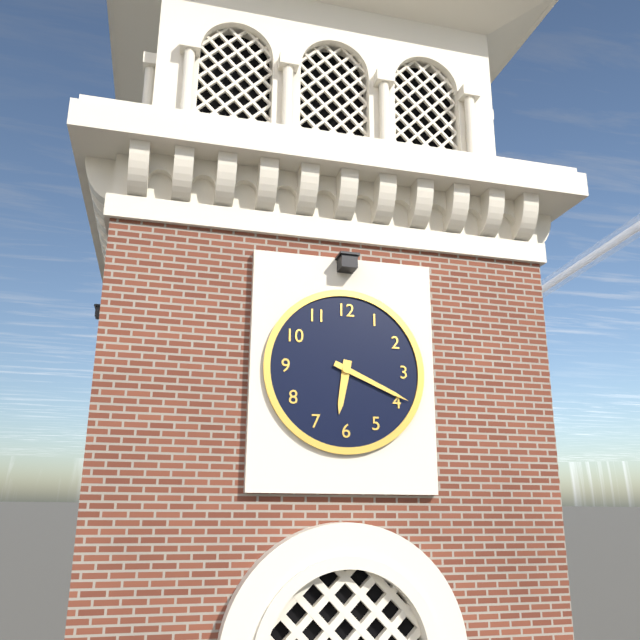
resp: 6h19
